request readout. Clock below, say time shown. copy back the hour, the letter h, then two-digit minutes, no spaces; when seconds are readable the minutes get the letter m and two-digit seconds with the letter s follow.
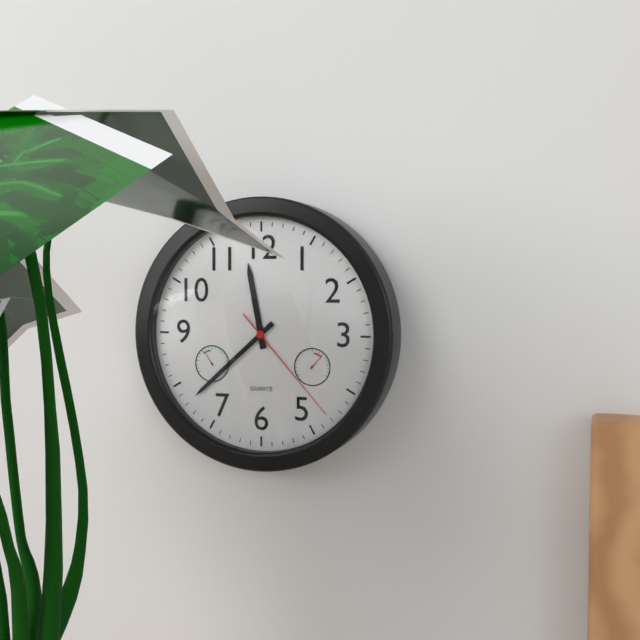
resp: 11h38m23s
